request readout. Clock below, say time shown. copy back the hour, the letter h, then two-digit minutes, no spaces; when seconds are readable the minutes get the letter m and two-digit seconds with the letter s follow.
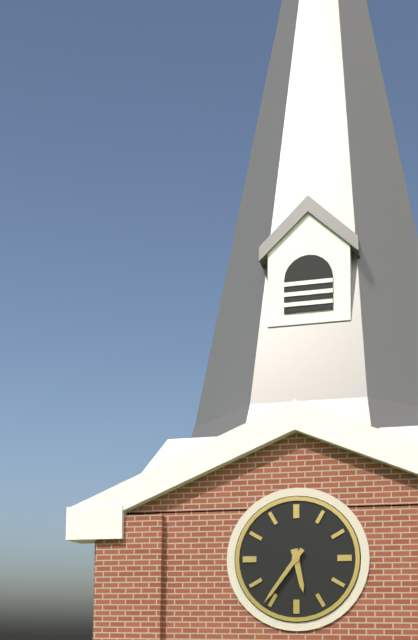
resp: 5h36
